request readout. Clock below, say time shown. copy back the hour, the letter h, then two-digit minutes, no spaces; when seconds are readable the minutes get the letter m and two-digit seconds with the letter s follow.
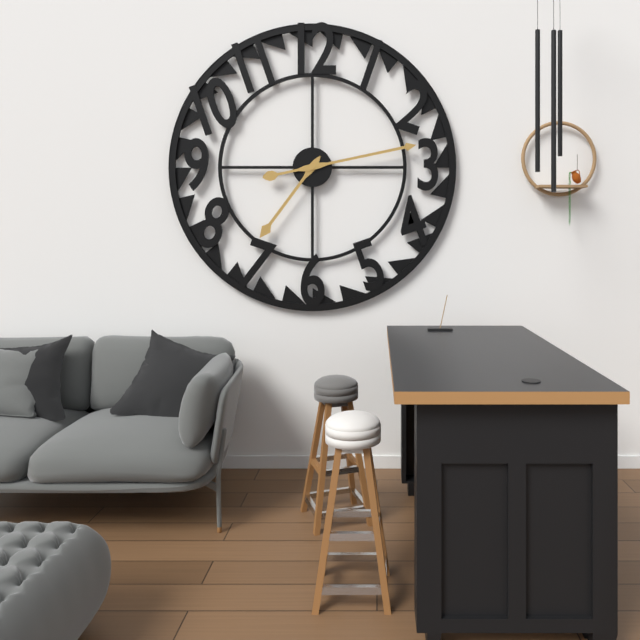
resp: 7h13
